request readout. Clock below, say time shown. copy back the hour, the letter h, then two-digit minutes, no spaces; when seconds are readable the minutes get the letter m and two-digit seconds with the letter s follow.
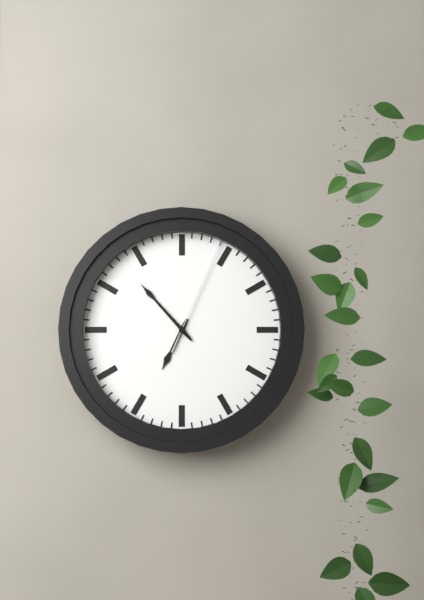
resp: 6h53m04s
